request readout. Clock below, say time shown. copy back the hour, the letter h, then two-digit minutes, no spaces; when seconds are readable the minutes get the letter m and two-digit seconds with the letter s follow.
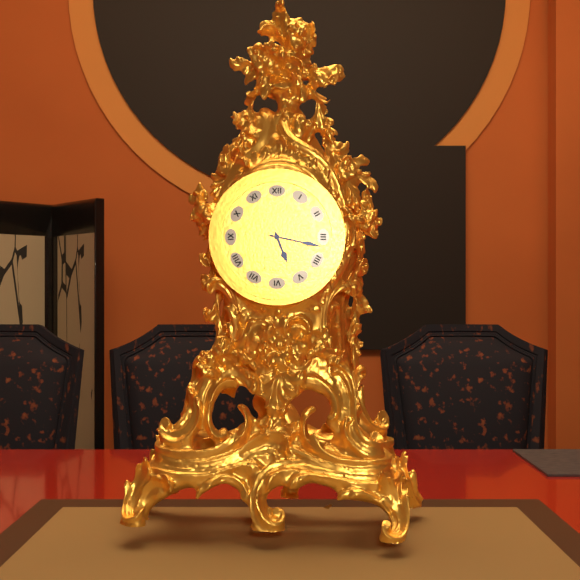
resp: 5h17
